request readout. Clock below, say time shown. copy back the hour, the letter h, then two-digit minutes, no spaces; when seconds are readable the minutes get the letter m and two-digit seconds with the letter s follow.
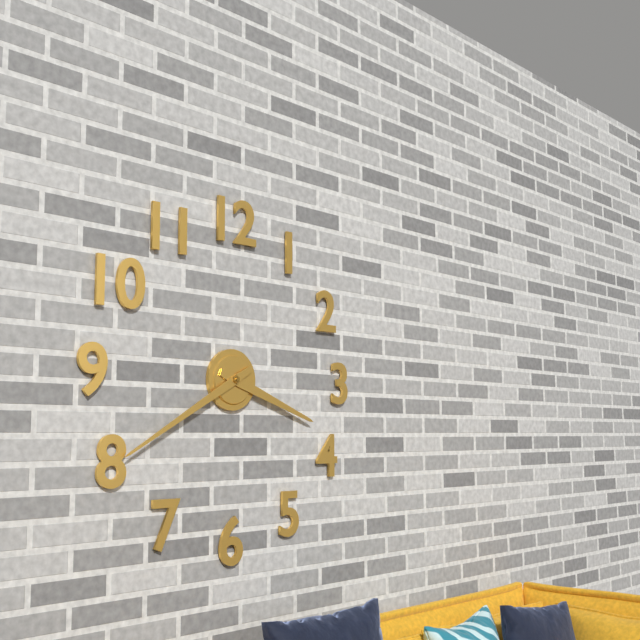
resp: 3h40
